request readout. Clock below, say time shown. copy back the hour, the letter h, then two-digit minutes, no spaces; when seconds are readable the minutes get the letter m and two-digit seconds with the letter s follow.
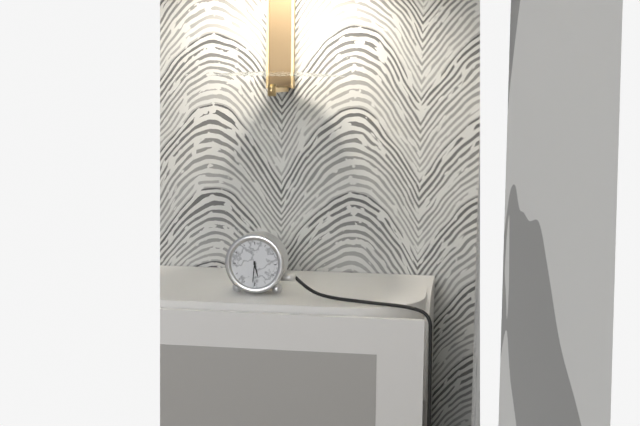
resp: 5h31
